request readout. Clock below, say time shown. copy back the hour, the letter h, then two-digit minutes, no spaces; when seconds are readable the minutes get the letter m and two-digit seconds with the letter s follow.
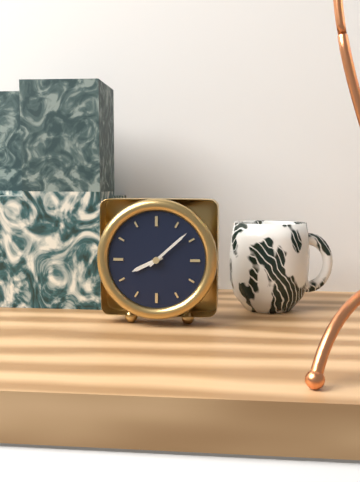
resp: 8h08
